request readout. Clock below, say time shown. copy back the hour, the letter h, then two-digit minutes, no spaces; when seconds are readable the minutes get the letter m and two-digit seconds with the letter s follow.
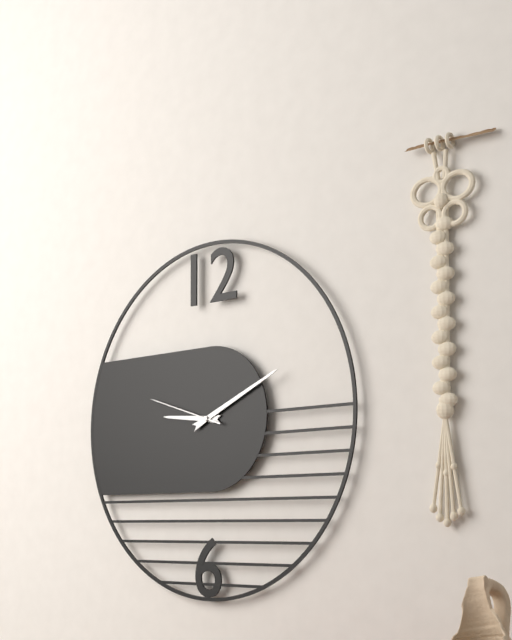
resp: 9h11m48s
